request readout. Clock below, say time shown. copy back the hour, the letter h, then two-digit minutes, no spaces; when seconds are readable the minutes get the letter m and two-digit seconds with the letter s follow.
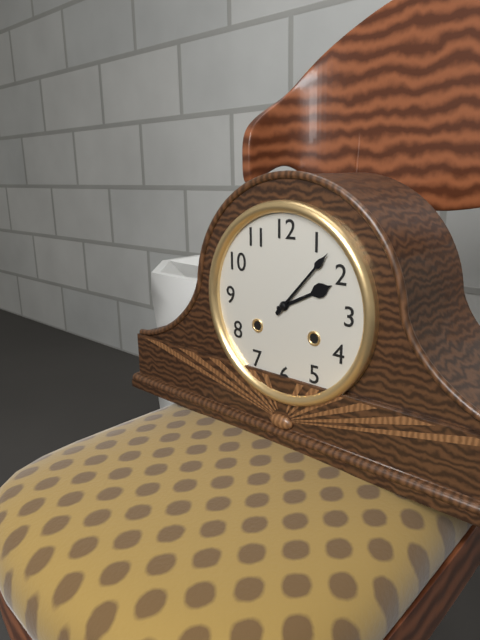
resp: 2h07
